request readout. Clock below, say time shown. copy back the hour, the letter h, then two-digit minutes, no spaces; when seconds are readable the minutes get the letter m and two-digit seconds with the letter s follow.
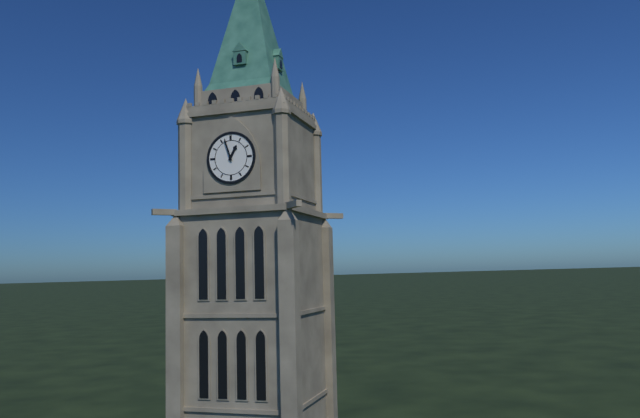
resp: 12h57
